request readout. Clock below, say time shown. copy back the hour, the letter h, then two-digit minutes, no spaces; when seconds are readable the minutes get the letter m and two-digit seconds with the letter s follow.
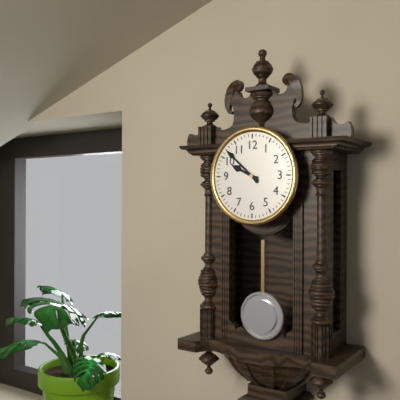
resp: 9h52
